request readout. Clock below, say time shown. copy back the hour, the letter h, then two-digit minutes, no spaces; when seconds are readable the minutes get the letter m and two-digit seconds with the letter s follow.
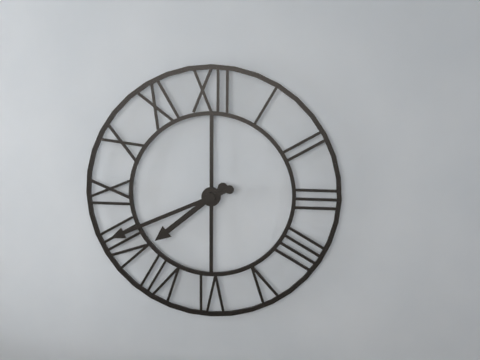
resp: 7h41
